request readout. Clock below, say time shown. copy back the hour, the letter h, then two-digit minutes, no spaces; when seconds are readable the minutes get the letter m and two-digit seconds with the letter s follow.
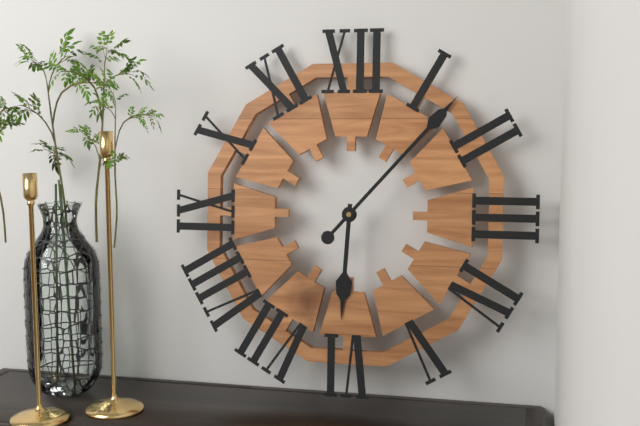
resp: 6h07
